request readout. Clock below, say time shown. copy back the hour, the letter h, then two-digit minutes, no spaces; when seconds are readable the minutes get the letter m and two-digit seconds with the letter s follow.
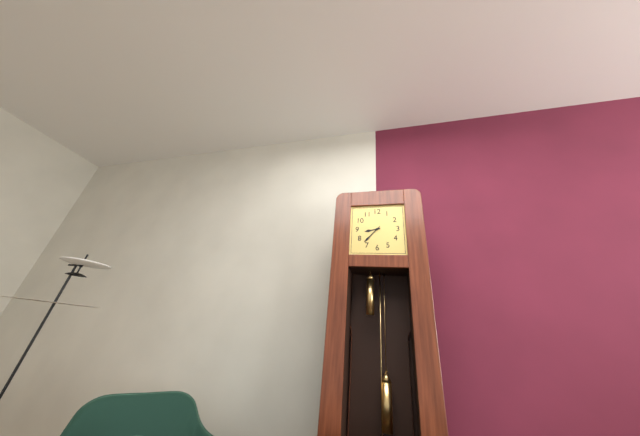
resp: 8h37
